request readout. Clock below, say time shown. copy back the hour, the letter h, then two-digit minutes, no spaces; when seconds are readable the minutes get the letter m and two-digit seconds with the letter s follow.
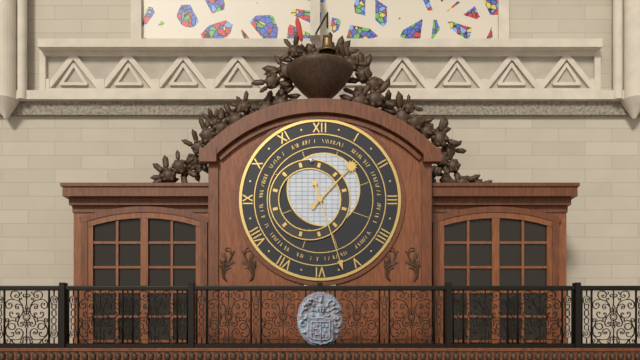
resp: 1h27
